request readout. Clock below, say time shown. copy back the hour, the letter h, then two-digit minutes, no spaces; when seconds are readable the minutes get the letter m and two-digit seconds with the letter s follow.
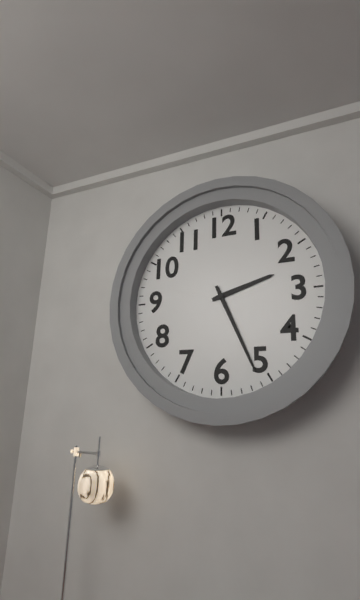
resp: 2h26
